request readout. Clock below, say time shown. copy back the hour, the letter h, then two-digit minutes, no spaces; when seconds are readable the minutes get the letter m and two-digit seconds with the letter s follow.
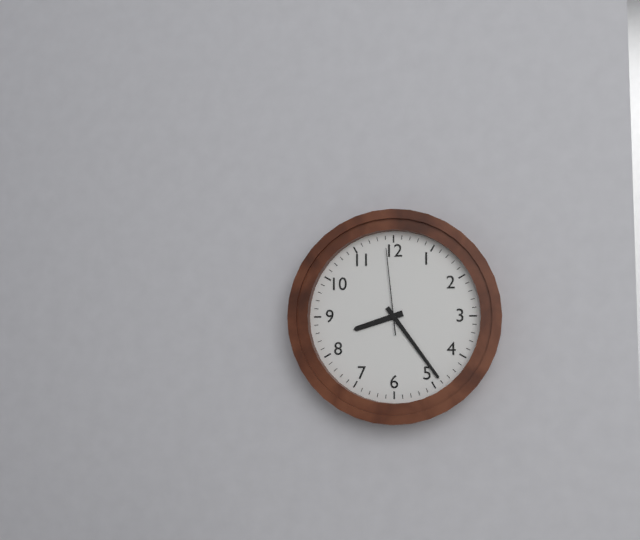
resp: 8h24m59s
